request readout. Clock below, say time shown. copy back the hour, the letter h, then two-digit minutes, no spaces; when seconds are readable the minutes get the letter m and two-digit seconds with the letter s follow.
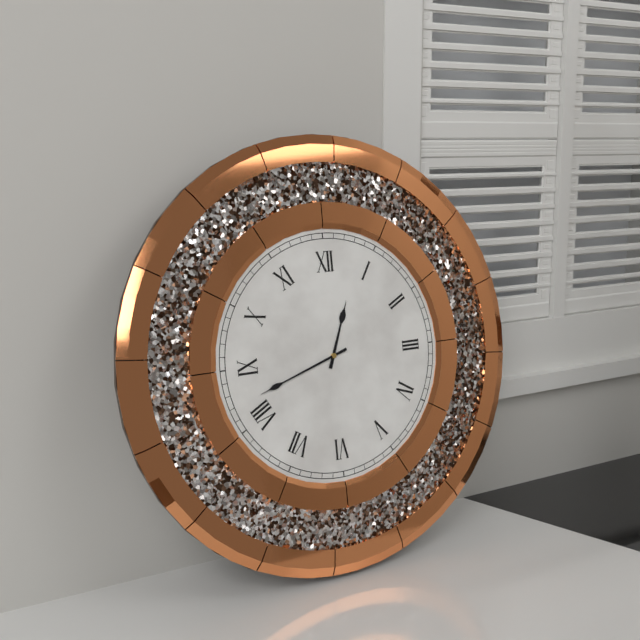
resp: 12h42
